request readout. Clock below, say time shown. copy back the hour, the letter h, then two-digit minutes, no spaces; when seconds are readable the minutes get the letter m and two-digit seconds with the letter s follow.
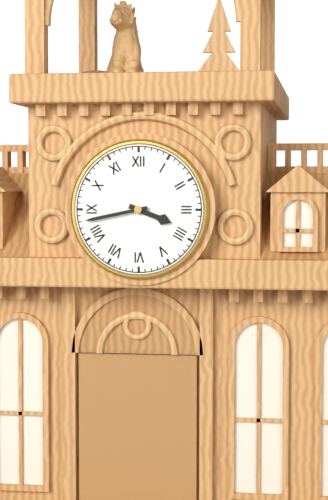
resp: 3h43
